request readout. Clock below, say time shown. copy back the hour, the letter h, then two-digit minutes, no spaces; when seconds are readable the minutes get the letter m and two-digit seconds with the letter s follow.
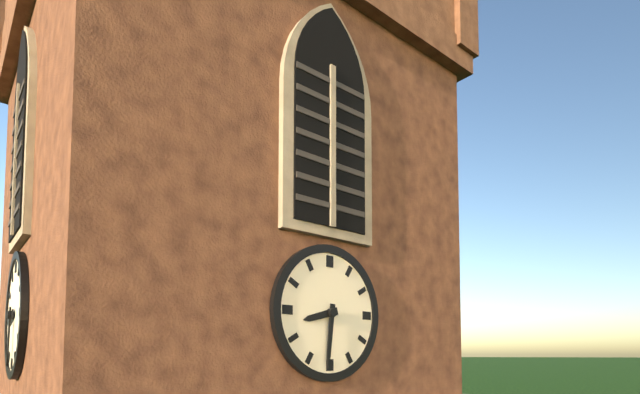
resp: 8h31
